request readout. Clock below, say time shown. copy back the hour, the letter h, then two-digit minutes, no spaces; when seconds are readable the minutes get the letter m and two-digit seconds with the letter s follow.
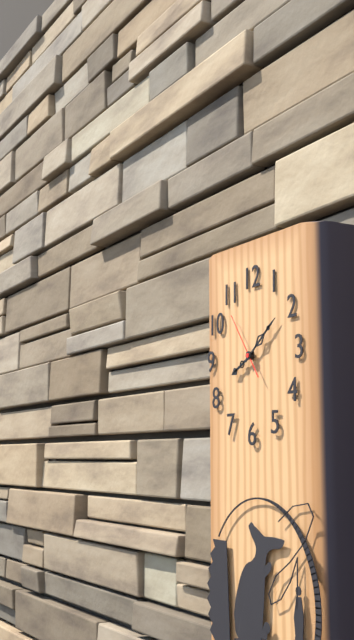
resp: 8h09m54s
